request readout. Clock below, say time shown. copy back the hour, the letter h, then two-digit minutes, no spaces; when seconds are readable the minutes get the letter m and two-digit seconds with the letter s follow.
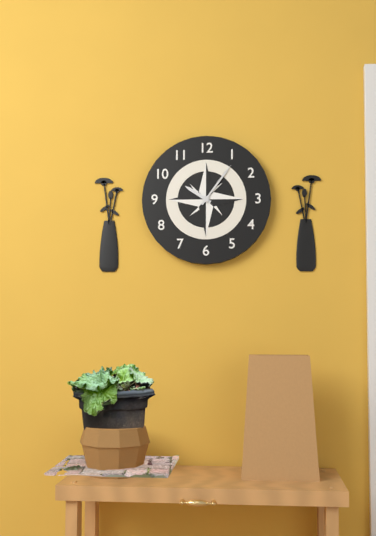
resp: 10h06
